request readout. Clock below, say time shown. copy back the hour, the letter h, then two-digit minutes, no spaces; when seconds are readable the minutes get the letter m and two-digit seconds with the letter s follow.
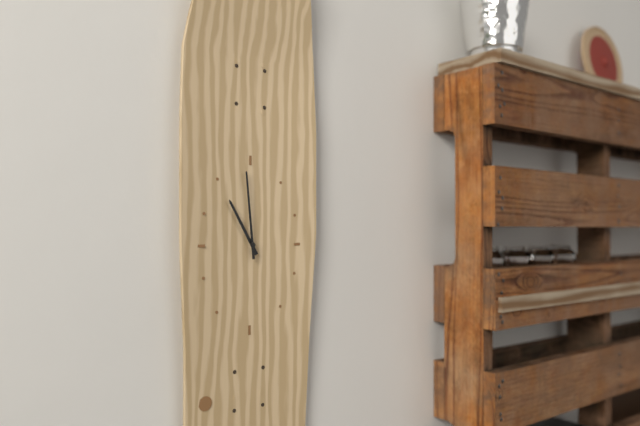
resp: 10h59
